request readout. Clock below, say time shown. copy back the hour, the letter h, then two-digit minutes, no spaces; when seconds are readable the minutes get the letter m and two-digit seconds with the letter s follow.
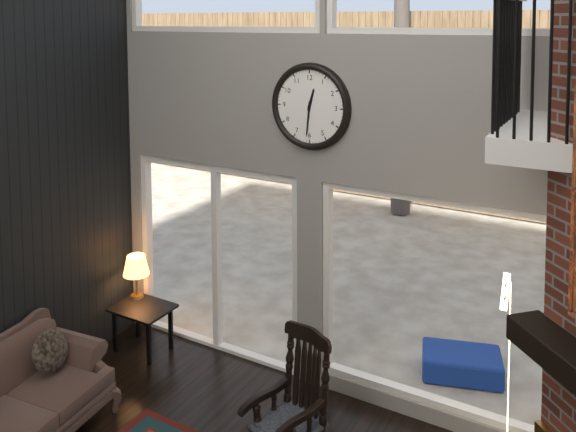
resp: 12h31
